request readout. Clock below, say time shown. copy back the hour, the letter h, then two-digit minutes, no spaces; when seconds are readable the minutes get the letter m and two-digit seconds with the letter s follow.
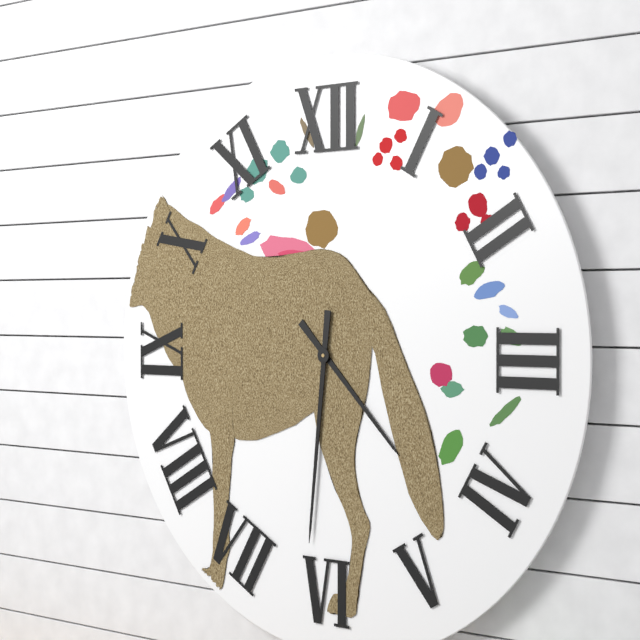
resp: 4h31
